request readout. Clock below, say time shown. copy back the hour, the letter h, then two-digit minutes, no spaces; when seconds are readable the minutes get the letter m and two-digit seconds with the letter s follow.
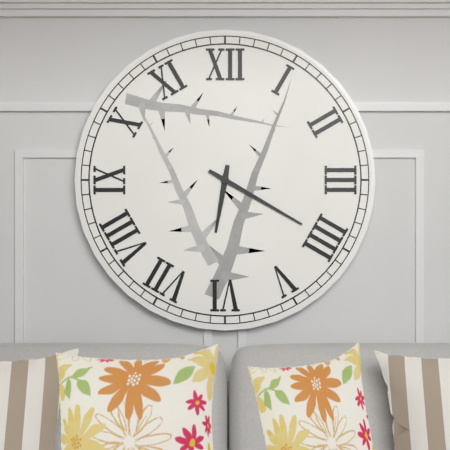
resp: 6h20
